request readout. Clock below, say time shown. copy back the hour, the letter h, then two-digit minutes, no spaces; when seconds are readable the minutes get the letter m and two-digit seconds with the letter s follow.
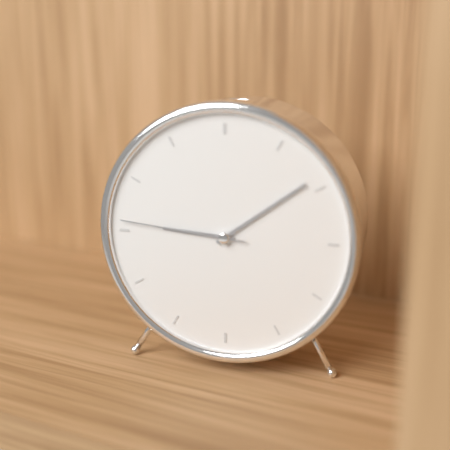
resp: 9h09m46s
